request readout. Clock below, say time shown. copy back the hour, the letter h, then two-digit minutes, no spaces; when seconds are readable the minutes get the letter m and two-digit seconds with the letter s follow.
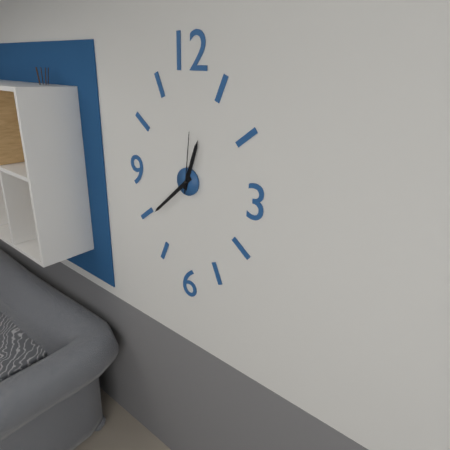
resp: 12h38m01s
